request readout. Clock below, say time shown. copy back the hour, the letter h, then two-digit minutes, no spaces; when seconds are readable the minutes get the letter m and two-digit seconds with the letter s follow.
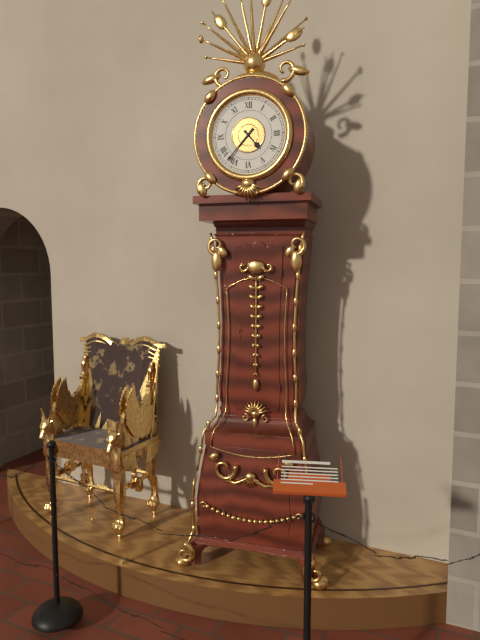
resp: 4h37
